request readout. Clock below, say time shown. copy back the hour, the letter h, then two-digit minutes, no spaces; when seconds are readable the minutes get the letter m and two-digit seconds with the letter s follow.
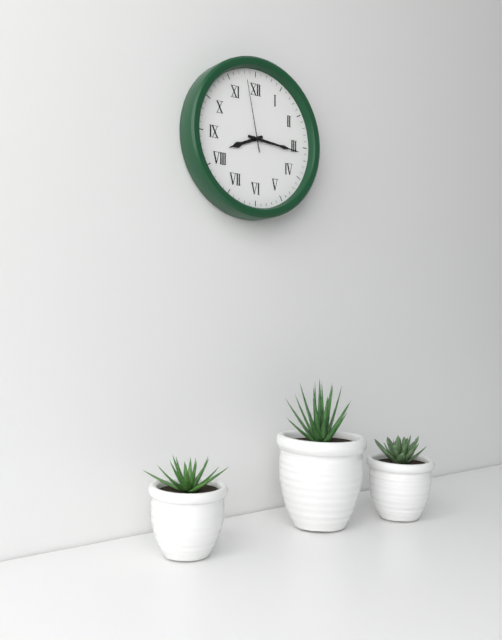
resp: 8h16m58s
